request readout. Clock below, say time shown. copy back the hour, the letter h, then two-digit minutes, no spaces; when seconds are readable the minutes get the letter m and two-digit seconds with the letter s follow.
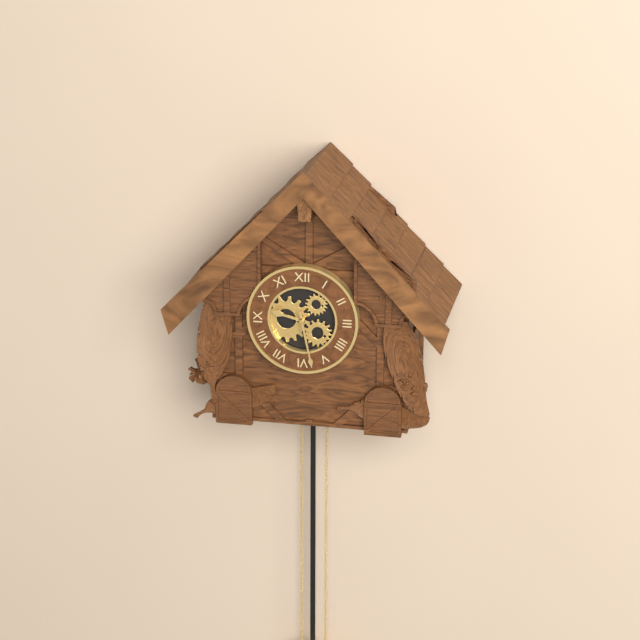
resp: 9h28
